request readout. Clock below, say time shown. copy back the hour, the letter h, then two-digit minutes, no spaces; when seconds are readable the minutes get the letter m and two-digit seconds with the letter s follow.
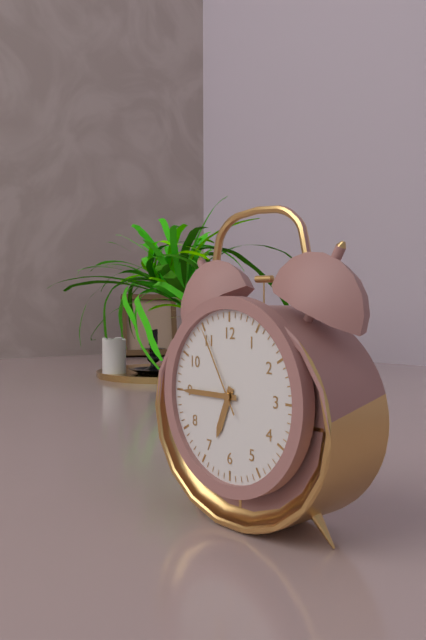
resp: 6h45m55s
